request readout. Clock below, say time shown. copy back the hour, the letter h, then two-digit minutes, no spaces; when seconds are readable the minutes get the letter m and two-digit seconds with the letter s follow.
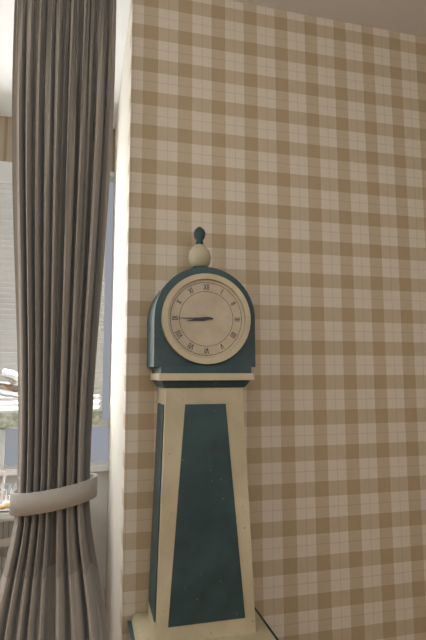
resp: 8h45
